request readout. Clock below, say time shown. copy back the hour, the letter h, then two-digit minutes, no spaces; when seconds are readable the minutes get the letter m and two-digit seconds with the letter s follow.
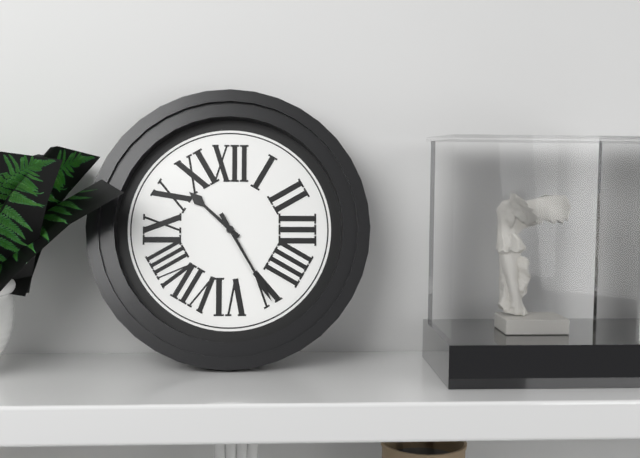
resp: 10h25
